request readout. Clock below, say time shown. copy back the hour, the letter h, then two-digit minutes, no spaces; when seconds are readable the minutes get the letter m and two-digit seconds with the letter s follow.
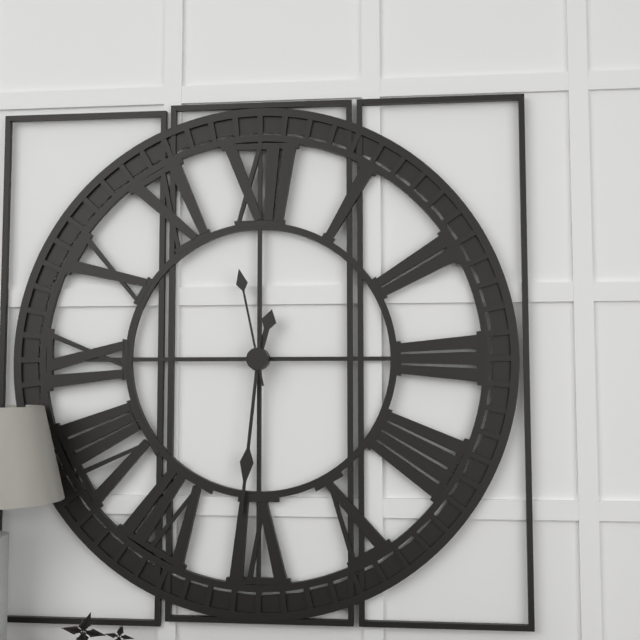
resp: 12h31m58s
